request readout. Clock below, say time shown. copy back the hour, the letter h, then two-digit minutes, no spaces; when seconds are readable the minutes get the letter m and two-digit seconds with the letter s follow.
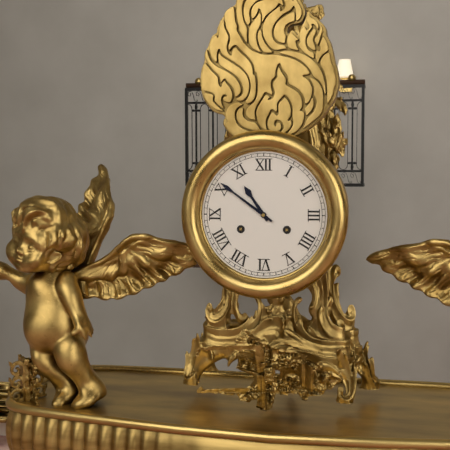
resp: 10h51
